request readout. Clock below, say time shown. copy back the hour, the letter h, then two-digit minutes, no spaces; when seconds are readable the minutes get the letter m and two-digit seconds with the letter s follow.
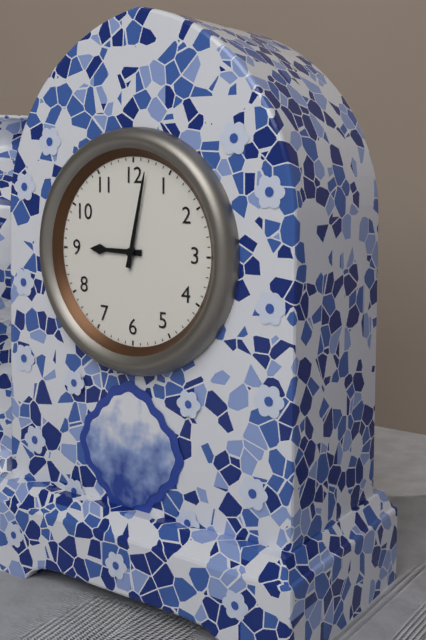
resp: 9h02
